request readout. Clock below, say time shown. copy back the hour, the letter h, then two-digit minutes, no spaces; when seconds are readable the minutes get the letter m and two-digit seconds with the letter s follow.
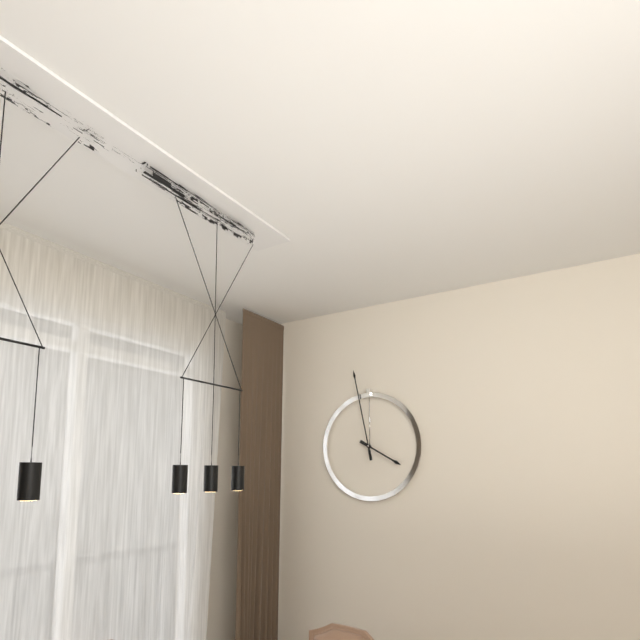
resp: 3h58
